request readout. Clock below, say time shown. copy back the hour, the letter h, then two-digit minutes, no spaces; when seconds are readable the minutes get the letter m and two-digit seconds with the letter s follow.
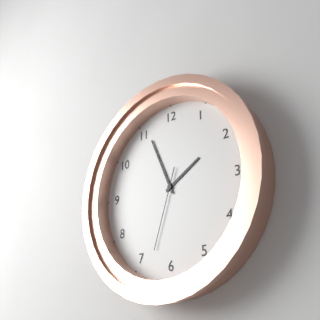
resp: 1h56m33s
